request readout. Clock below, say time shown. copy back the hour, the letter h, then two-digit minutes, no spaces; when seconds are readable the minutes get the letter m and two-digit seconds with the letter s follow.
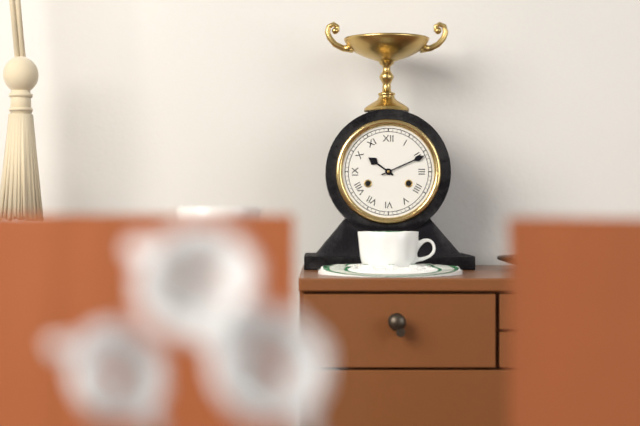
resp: 10h11
